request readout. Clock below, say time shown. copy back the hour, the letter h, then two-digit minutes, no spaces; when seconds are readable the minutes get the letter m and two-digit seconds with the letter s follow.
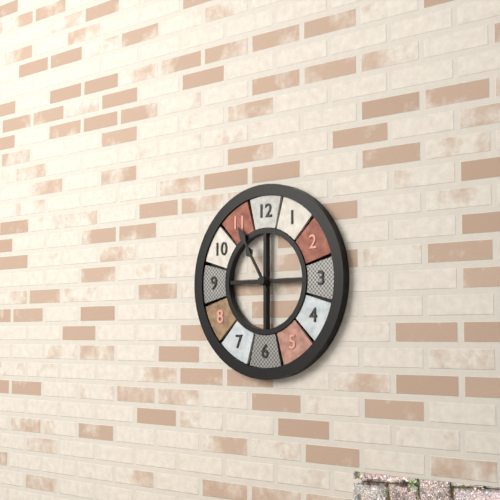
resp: 10h55
